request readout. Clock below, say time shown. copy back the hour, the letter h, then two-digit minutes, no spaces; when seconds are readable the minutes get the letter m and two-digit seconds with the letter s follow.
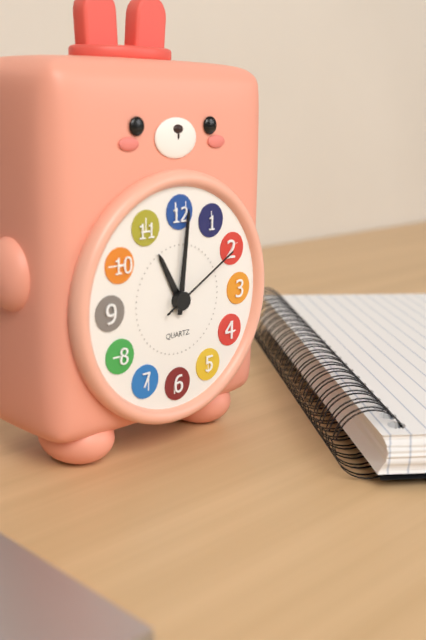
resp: 11h01m10s
